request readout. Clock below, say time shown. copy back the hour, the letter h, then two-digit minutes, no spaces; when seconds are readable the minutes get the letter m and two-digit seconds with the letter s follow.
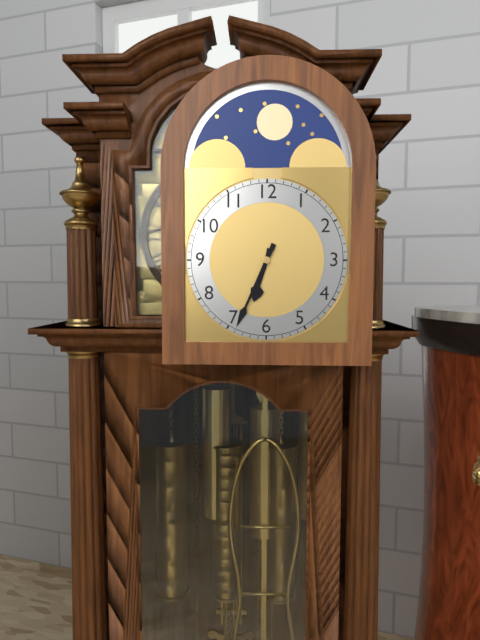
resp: 6h34
